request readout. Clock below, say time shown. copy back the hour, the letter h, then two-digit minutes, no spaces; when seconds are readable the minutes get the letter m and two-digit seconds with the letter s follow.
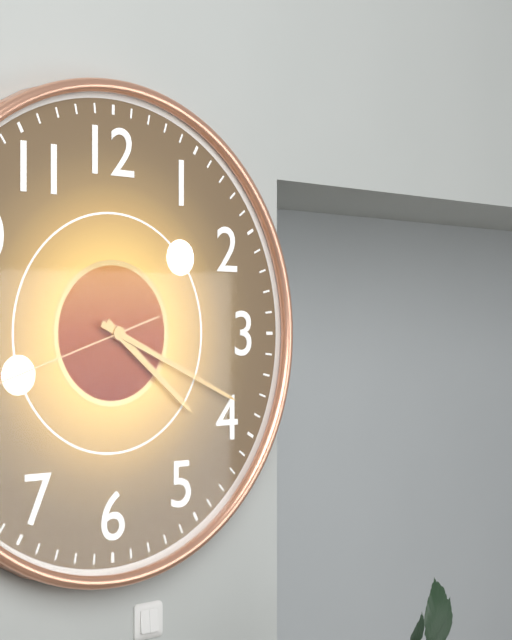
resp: 4h19
